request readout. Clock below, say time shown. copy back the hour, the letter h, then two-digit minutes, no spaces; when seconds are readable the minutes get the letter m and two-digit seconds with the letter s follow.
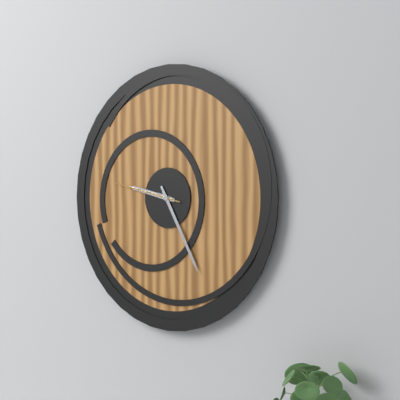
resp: 9h25m47s
